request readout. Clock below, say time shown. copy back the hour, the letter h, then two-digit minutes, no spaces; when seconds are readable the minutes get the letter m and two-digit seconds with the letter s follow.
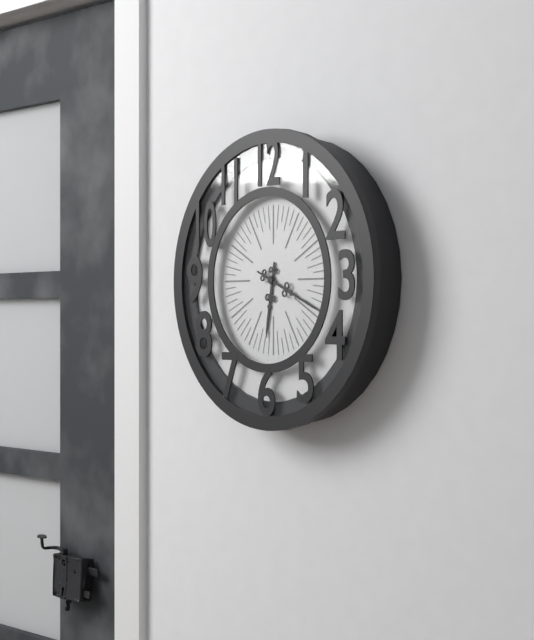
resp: 6h19
